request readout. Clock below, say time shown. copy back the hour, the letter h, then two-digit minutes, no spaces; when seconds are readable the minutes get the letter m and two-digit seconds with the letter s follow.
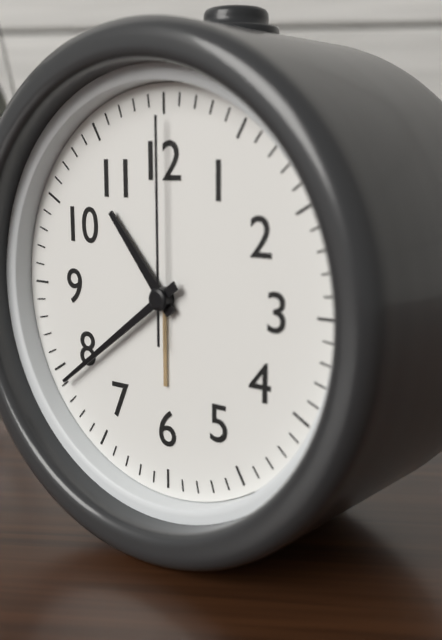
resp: 10h39m00s
